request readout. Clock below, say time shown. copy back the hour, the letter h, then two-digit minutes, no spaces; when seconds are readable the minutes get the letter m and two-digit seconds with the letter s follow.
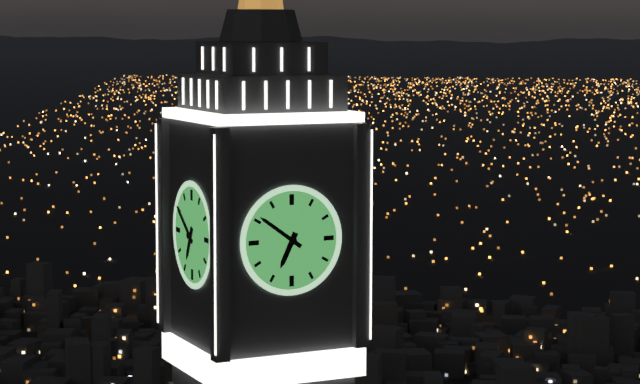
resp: 6h51
